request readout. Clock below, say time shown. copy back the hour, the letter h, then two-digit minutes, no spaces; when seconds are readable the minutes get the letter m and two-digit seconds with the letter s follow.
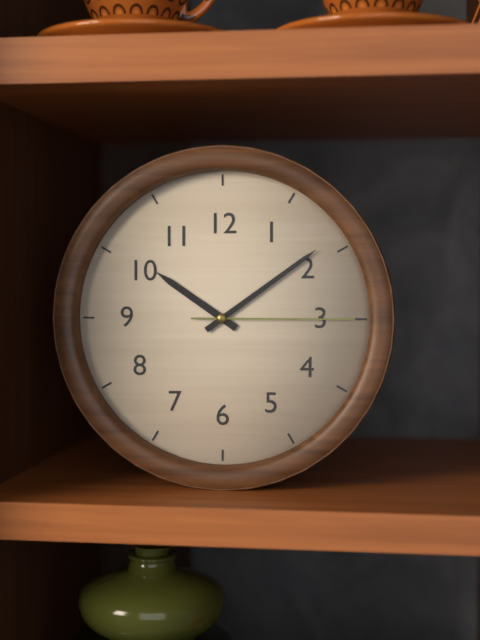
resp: 10h09m15s
